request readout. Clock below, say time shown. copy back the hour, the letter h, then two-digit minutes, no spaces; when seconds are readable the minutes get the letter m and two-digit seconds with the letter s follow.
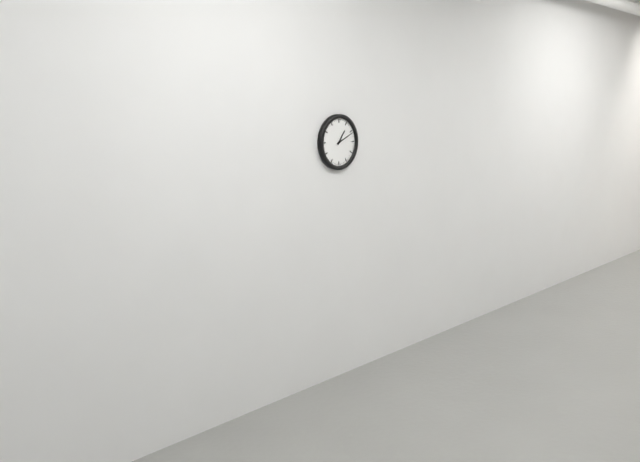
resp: 1h11
